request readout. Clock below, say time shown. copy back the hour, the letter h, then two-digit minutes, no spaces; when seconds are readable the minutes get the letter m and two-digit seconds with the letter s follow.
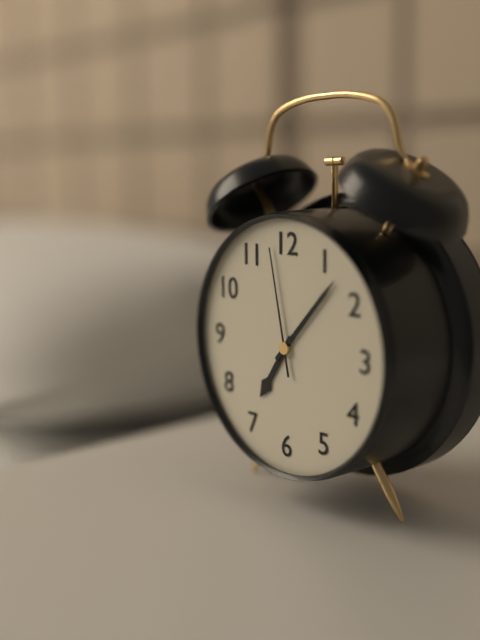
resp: 7h07m58s
